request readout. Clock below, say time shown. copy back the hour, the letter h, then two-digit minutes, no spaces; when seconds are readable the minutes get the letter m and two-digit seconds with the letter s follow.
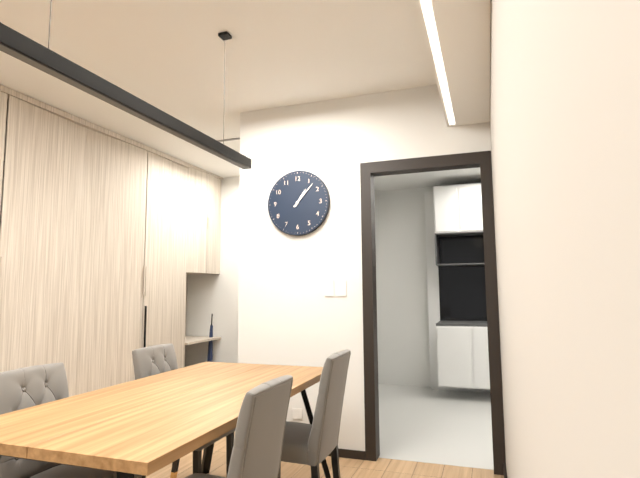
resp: 1h07
